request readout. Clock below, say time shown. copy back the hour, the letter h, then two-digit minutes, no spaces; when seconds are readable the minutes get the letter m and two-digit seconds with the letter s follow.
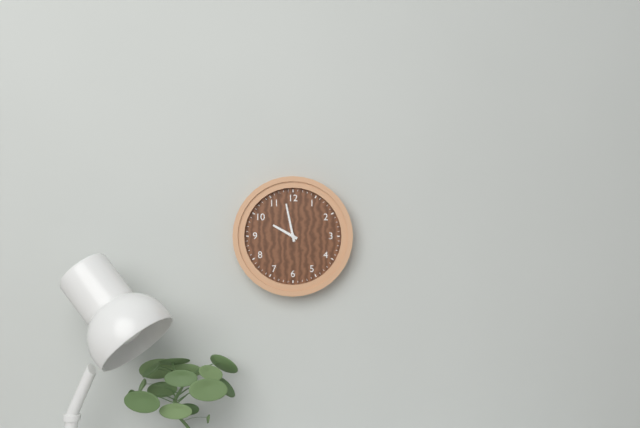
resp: 9h58
